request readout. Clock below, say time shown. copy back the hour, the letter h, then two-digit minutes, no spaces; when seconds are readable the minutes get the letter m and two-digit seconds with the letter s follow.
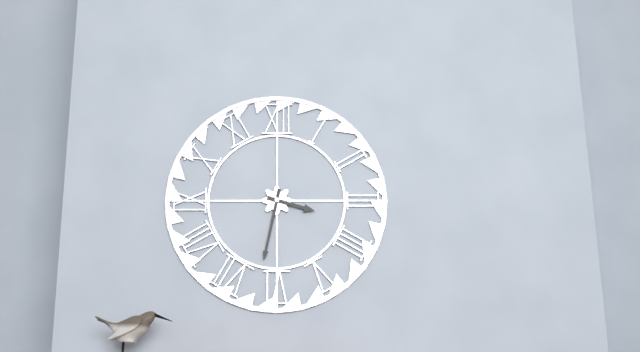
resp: 3h32
